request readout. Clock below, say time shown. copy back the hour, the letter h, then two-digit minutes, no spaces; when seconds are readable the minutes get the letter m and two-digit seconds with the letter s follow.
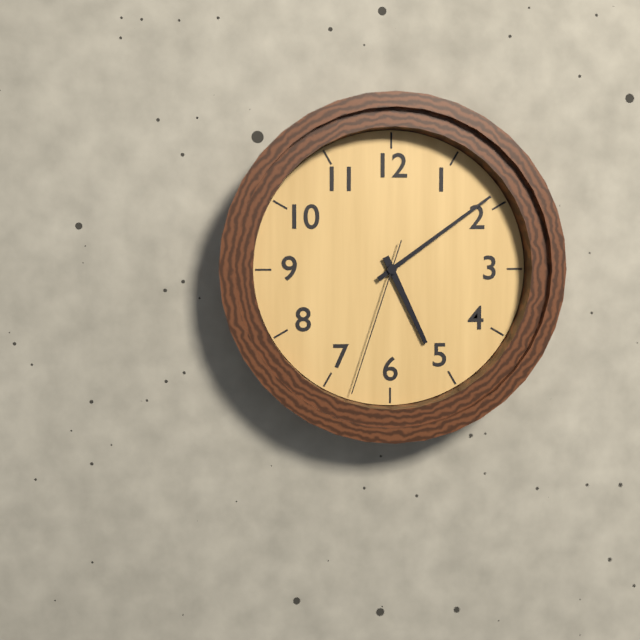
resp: 5h09m33s
